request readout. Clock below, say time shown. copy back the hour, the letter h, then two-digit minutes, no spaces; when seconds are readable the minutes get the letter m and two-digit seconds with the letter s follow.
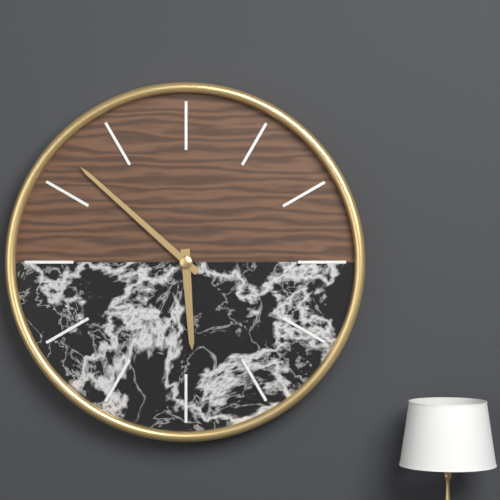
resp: 5h52
